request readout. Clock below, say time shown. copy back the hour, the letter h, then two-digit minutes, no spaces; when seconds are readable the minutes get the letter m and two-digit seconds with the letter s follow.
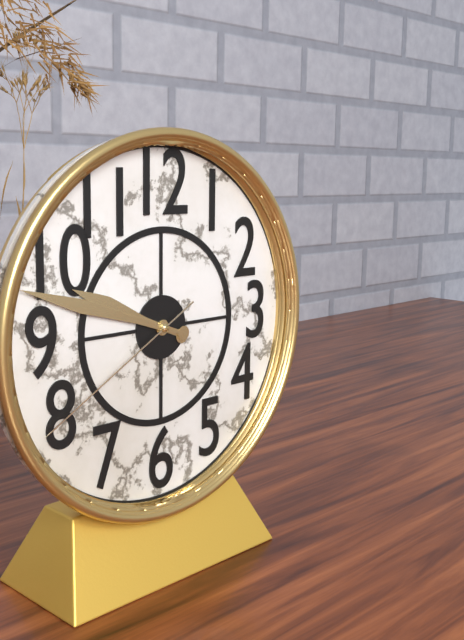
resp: 9h48m40s
